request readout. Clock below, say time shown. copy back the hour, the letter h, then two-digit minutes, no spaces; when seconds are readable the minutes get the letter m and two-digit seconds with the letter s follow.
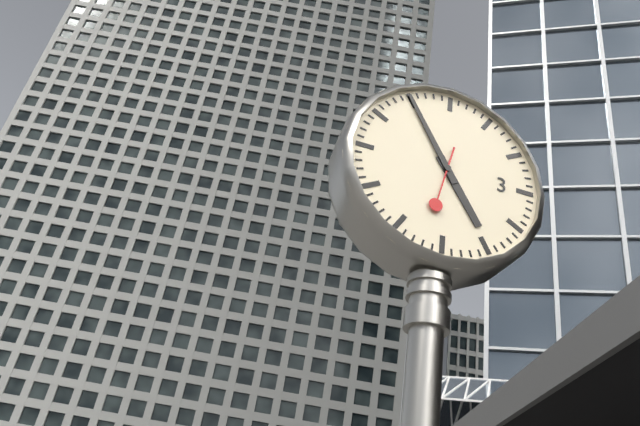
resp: 4h55m32s
